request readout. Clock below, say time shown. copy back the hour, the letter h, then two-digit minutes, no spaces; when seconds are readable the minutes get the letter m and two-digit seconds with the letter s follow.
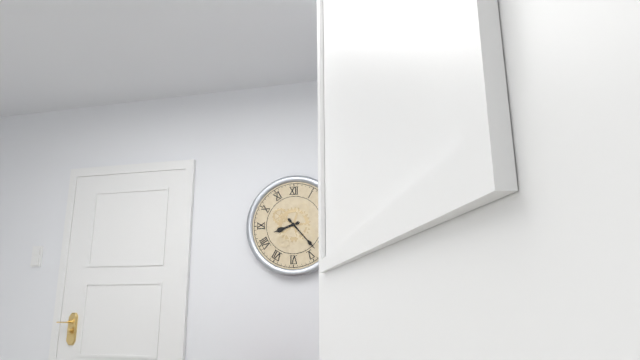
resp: 8h23
